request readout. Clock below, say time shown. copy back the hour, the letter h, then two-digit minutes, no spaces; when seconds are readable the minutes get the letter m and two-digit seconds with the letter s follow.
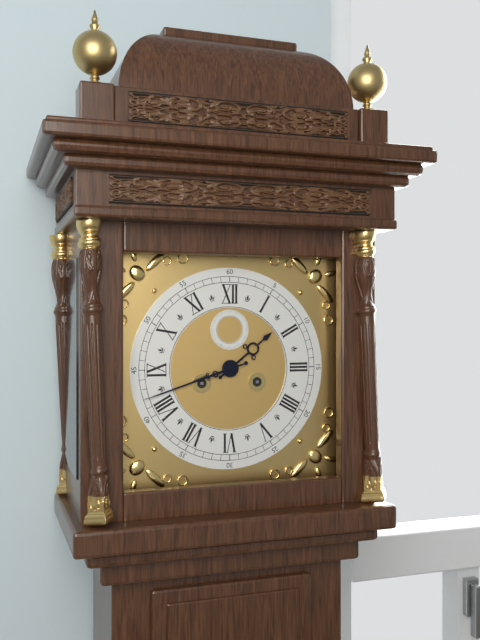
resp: 1h42
